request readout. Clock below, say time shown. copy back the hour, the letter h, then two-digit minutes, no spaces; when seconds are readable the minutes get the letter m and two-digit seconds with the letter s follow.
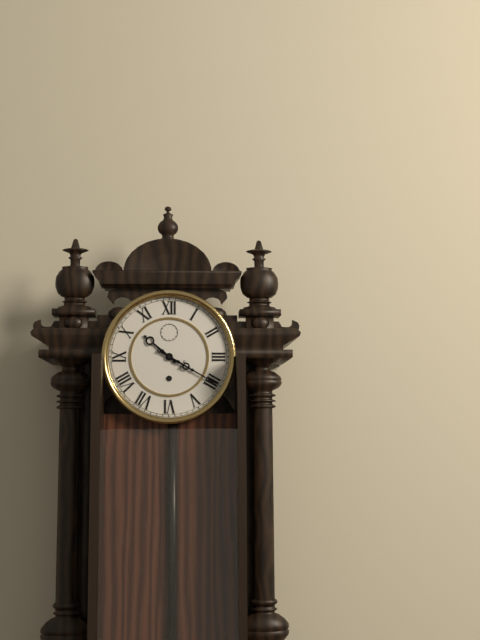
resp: 10h20
